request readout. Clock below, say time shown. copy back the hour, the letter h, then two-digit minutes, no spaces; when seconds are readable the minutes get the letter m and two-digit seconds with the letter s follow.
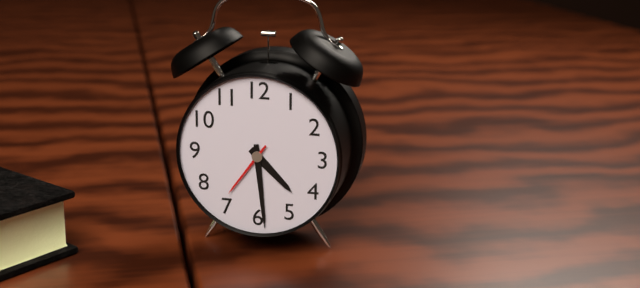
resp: 4h29m36s
